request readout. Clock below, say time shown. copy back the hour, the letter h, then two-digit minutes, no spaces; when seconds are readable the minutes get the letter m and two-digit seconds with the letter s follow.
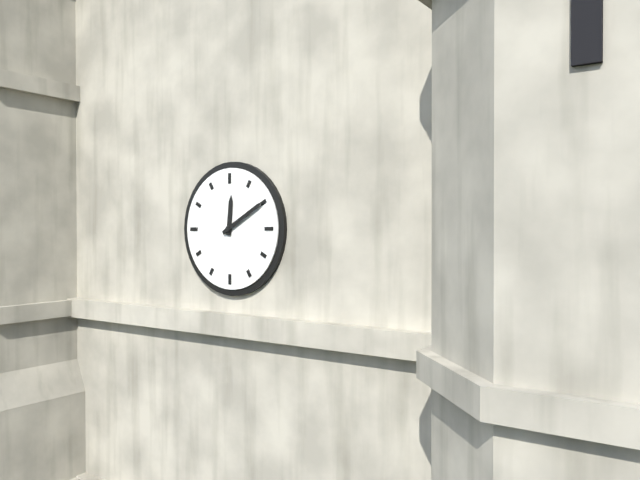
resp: 12h10
